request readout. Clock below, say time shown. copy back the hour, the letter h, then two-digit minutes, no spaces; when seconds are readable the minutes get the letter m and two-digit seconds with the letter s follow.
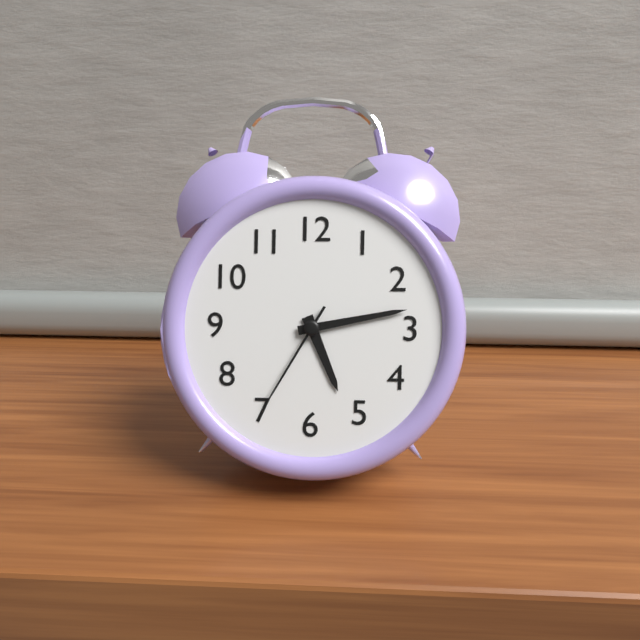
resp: 5h13m35s
